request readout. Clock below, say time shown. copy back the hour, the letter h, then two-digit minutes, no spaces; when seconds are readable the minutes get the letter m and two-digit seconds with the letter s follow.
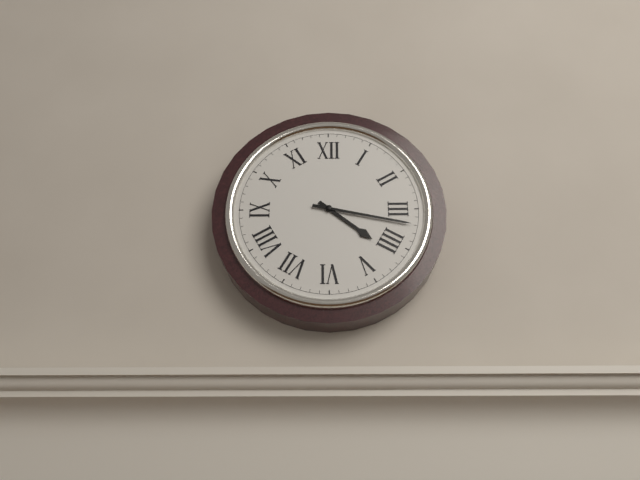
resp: 4h17
